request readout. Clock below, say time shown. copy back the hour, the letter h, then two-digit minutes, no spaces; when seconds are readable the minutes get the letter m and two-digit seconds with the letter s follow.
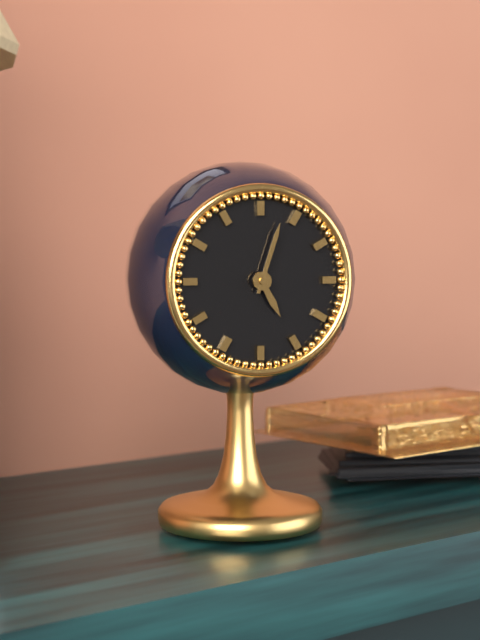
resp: 5h03
